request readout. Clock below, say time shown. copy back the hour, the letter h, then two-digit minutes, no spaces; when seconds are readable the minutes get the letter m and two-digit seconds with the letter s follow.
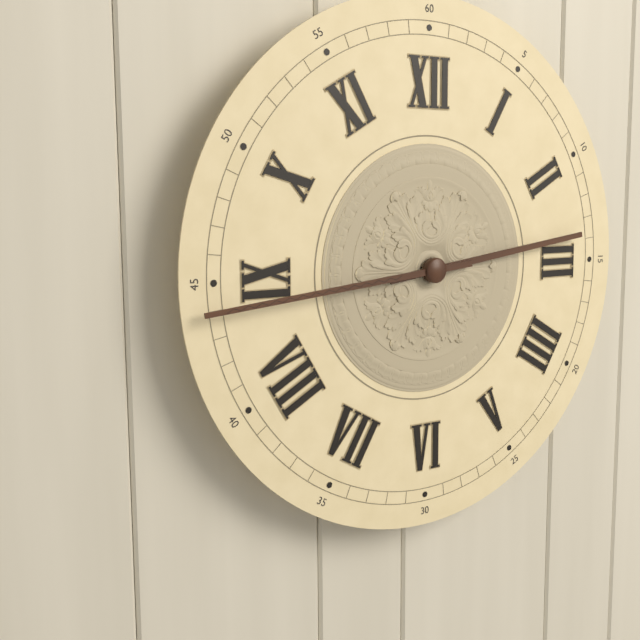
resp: 2h44
